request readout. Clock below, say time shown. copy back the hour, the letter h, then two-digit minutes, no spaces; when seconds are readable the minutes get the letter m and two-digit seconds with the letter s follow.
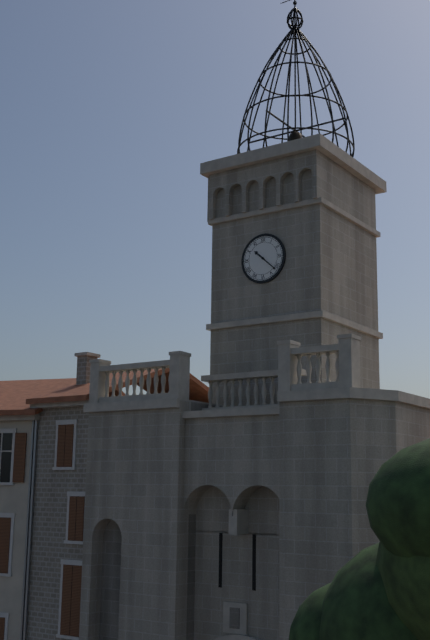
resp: 10h22
